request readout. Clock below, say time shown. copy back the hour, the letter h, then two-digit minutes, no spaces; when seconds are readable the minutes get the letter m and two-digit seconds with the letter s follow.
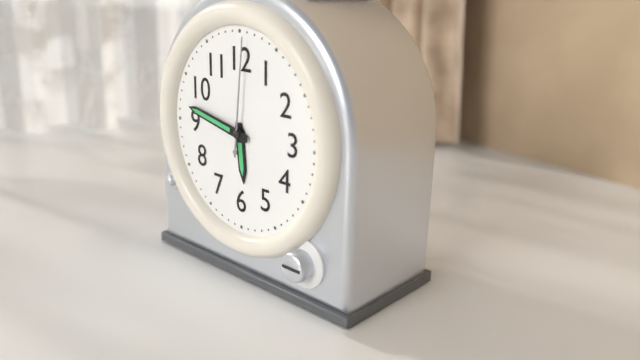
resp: 5h47m01s
